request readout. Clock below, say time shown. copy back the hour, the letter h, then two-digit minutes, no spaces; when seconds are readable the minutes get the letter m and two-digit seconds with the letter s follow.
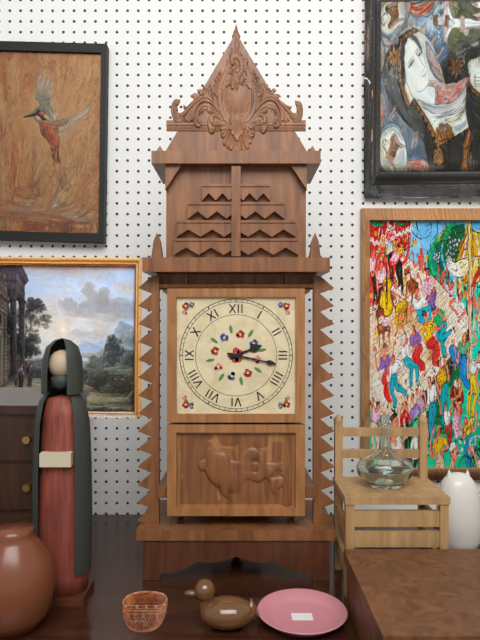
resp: 2h17
